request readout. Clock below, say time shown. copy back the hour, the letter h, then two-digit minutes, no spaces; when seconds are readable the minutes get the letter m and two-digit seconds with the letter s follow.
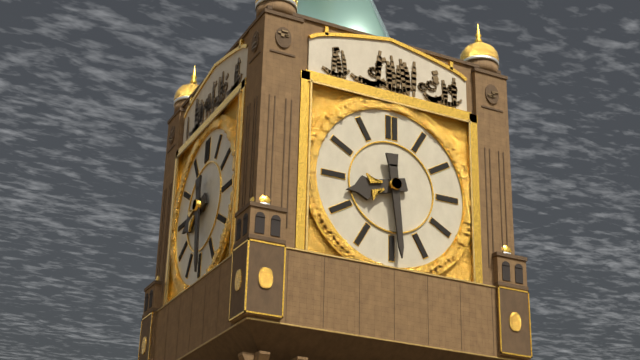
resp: 8h29
